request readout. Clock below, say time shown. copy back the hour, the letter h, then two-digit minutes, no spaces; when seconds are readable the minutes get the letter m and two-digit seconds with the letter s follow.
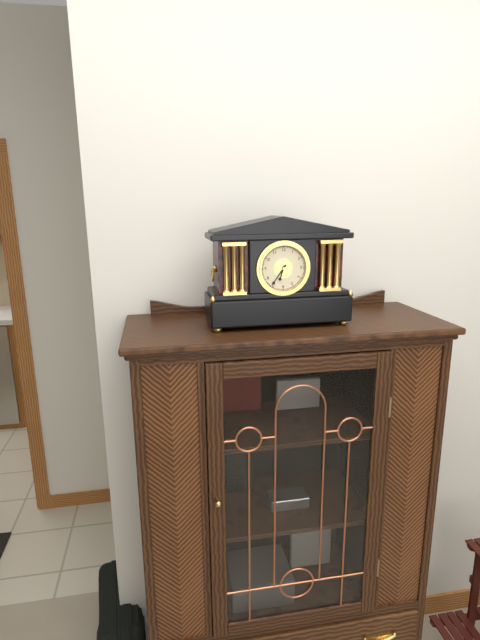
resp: 6h36
